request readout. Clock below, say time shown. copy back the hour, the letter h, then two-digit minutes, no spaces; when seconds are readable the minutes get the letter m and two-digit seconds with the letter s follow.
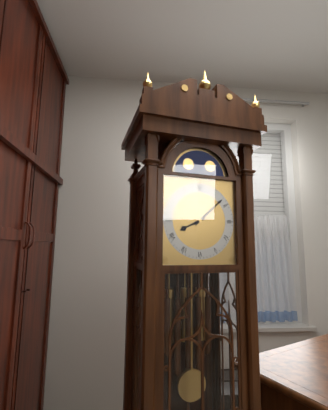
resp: 8h08
